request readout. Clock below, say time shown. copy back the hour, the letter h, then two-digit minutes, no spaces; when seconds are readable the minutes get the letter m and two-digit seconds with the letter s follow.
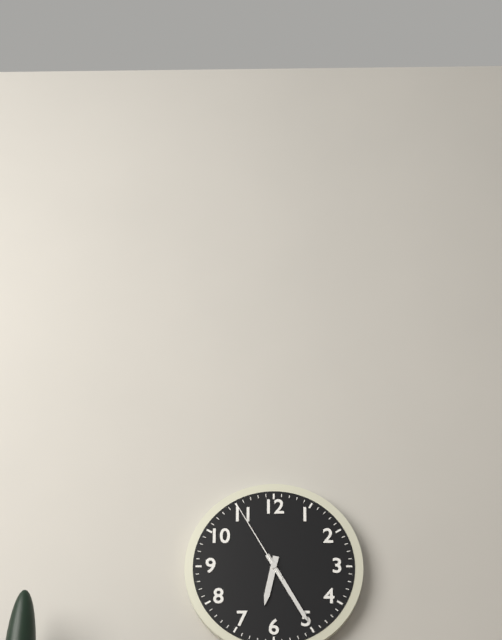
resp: 6h25m55s
